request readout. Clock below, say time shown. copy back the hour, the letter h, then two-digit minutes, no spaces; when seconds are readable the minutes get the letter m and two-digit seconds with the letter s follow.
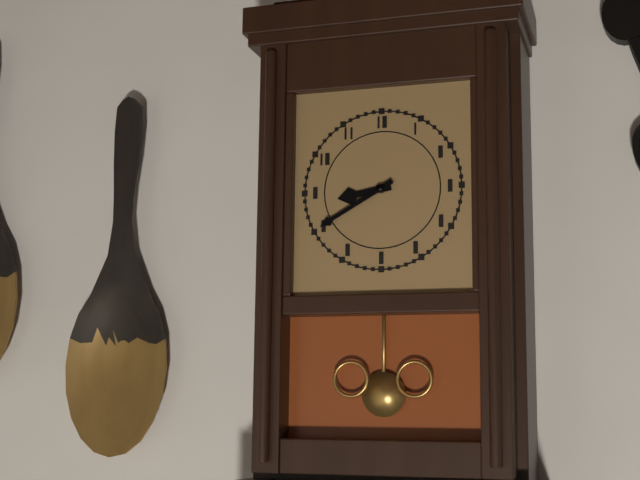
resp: 8h40
